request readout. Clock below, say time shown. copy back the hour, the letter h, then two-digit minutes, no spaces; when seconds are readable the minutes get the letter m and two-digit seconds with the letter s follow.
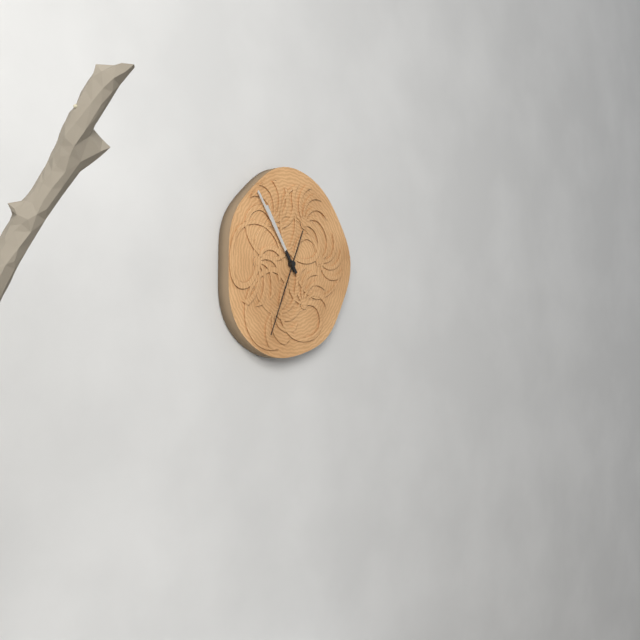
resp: 10h54m34s
